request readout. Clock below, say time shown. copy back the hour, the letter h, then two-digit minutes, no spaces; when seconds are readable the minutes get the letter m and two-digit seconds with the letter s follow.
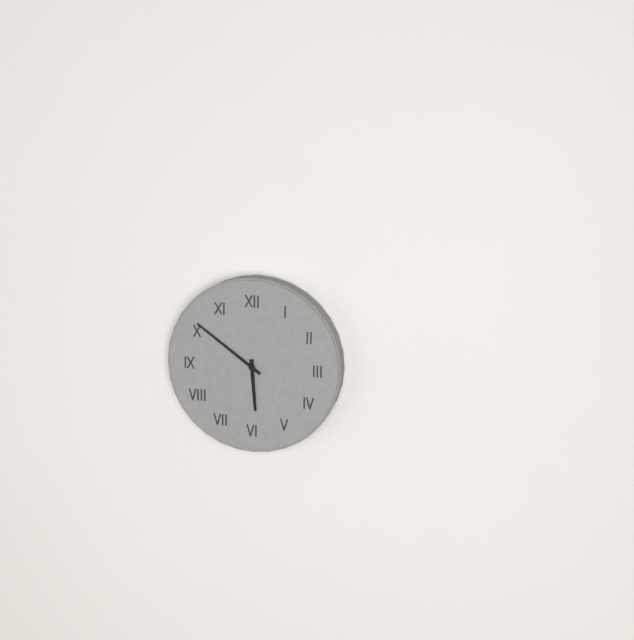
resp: 5h51
